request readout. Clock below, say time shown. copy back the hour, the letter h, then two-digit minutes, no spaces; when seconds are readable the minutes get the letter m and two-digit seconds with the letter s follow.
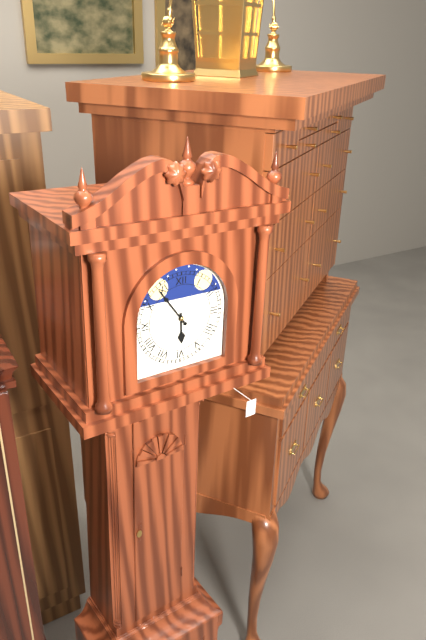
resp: 5h54
